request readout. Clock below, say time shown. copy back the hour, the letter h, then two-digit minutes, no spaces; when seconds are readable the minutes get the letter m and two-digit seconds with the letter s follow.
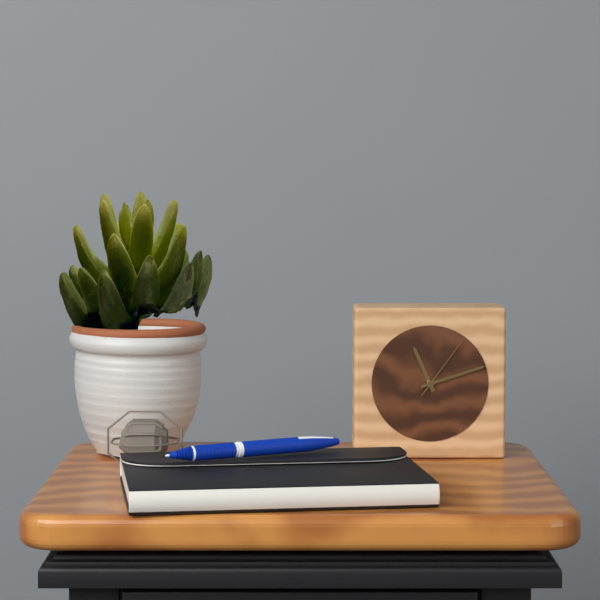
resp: 11h12m06s
